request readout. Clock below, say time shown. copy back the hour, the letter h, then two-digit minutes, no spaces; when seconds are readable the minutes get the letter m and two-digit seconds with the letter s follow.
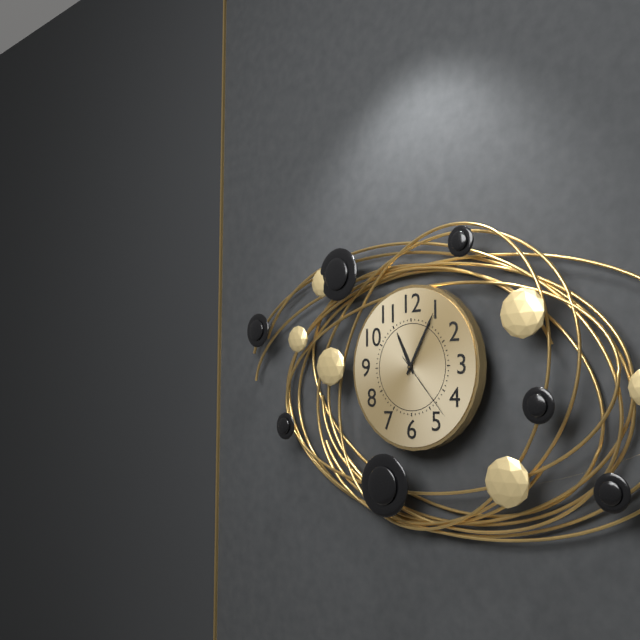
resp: 11h05m23s
